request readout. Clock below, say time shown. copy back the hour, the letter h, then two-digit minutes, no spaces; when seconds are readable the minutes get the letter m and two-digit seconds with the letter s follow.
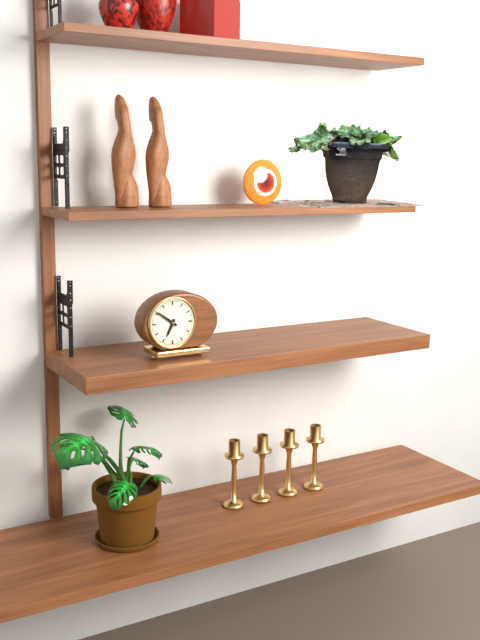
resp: 6h51
